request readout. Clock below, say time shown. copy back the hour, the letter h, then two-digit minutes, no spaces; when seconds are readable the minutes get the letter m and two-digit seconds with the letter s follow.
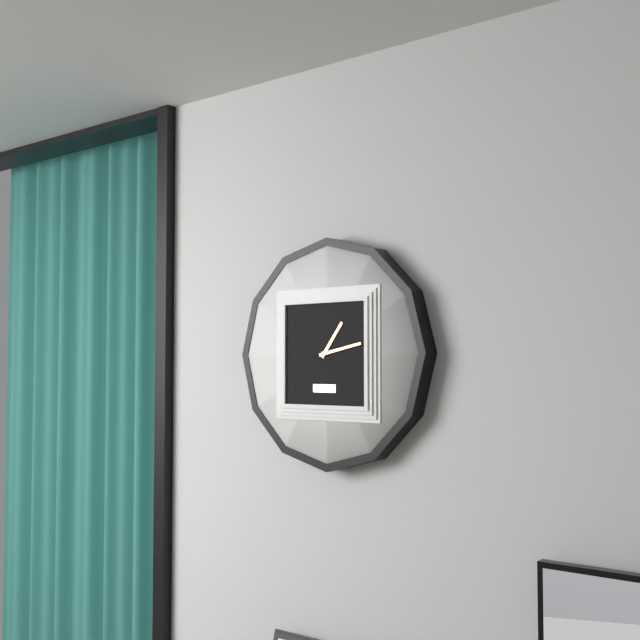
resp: 1h13
